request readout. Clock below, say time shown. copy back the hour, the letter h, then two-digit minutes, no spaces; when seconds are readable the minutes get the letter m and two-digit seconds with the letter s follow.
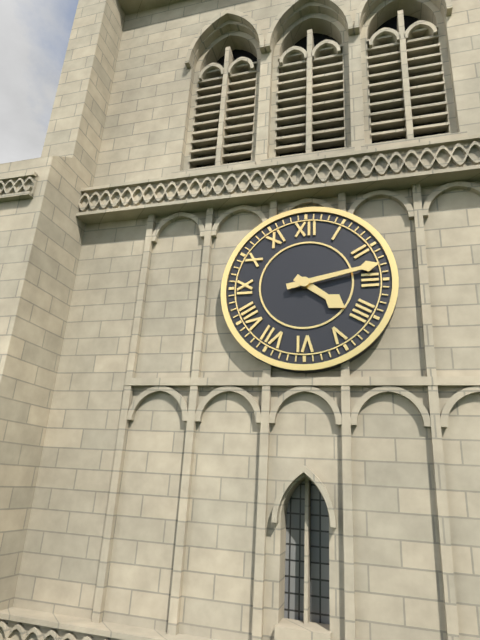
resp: 4h13
